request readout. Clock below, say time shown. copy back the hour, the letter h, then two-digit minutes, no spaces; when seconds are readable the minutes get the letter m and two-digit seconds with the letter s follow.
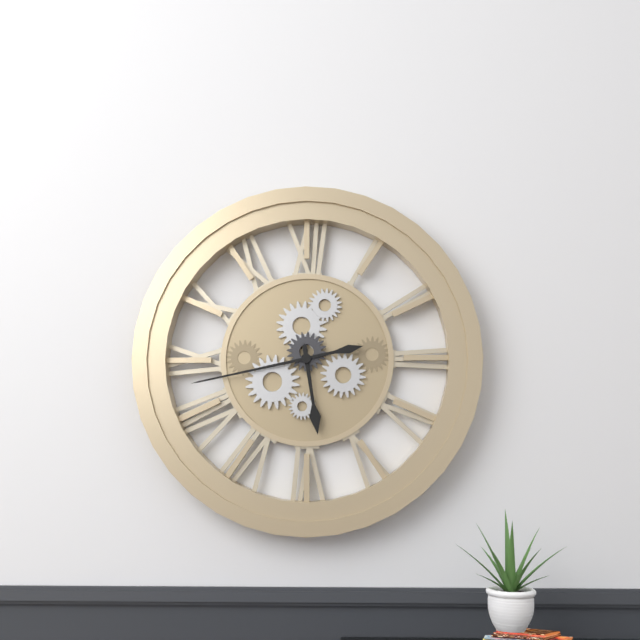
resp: 5h43
